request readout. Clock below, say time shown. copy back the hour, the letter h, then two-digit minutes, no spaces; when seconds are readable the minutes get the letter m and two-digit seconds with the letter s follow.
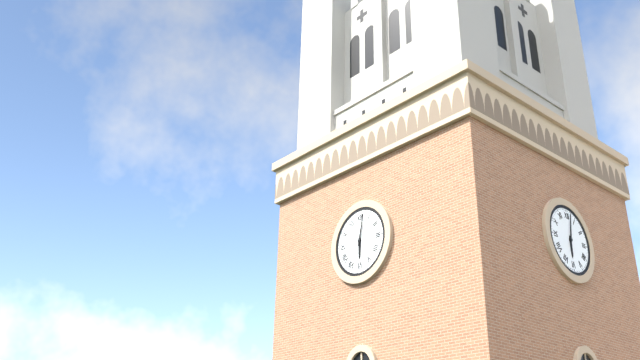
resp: 6h02
